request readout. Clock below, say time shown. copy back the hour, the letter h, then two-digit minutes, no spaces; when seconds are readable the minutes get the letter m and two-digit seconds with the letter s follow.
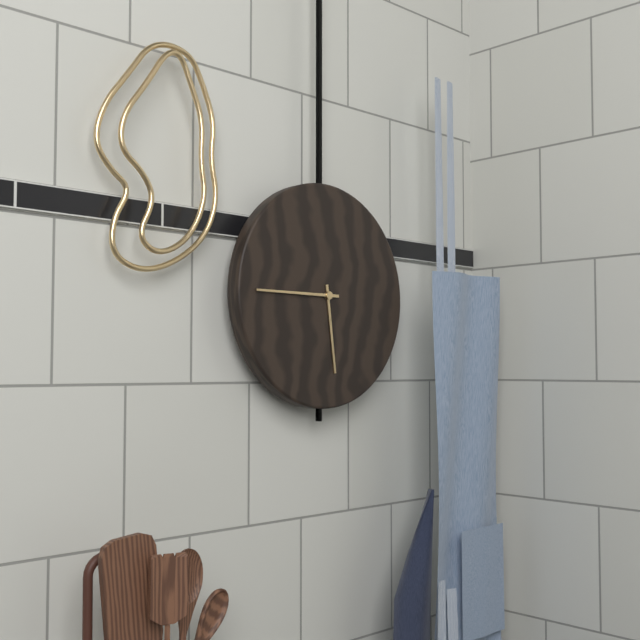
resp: 5h45
